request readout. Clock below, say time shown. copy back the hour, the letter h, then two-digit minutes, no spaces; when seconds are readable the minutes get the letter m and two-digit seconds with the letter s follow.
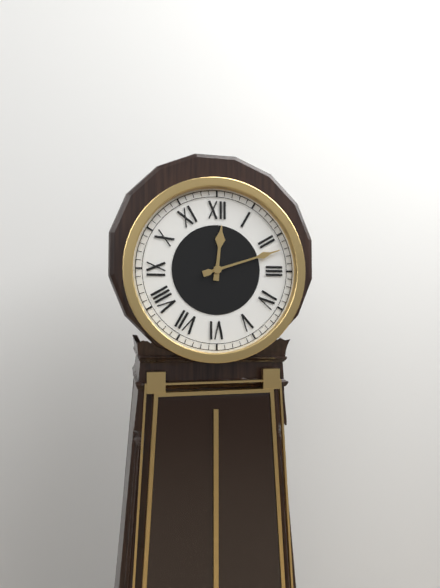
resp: 12h12
